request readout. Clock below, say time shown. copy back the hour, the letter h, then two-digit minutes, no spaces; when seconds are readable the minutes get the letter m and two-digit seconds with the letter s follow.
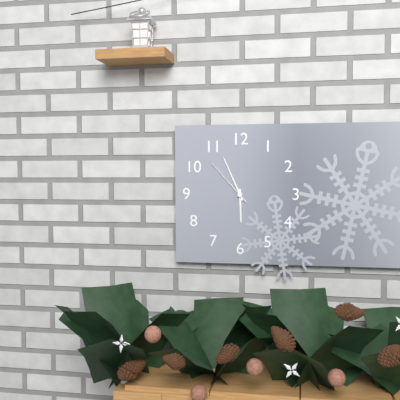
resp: 5h56m53s
